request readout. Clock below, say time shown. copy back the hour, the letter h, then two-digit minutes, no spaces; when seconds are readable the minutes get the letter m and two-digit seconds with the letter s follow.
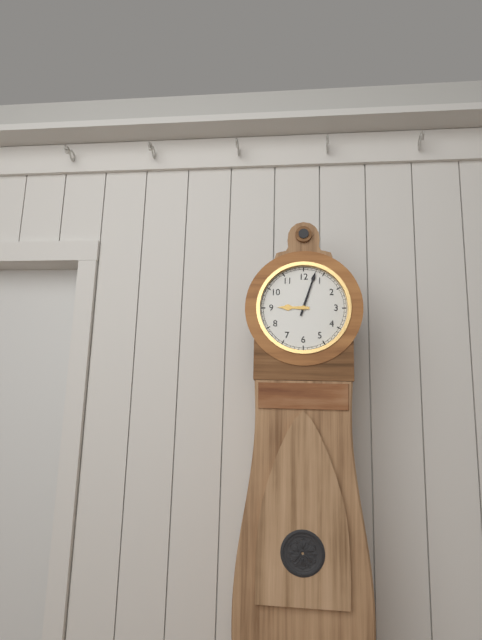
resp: 9h03
